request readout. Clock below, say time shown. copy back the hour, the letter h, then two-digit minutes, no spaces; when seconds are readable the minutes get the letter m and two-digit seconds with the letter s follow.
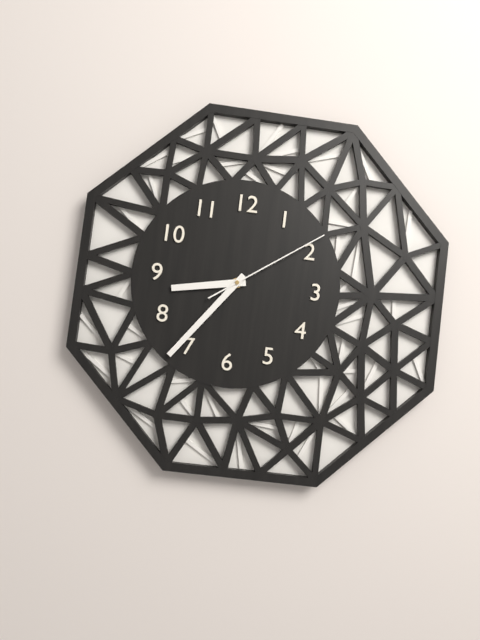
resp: 8h36m09s
